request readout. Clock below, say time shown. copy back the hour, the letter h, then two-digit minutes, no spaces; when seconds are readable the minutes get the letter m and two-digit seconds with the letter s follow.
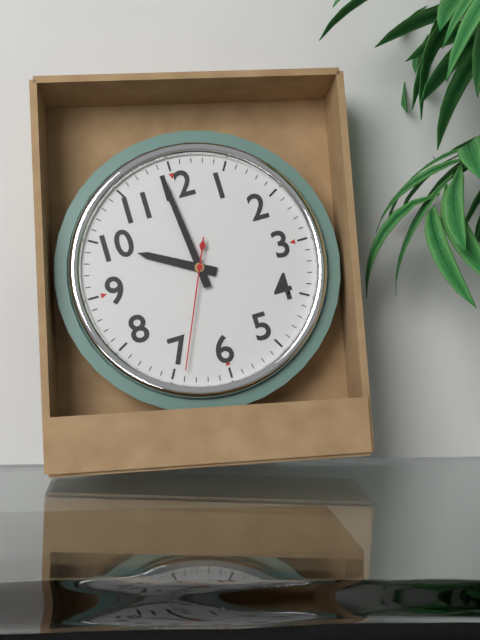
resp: 9h59m34s
